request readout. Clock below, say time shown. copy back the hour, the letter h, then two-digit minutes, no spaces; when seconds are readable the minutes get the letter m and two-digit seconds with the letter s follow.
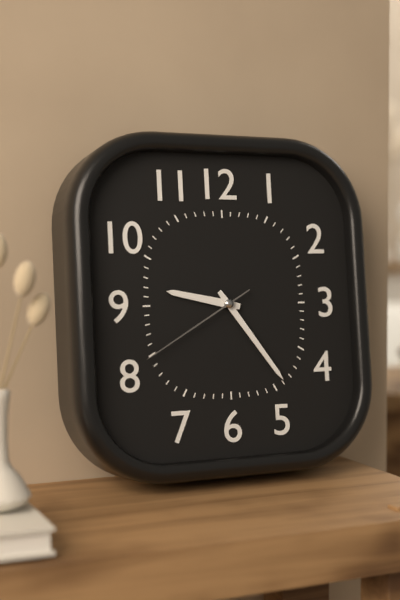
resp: 9h24m40s
